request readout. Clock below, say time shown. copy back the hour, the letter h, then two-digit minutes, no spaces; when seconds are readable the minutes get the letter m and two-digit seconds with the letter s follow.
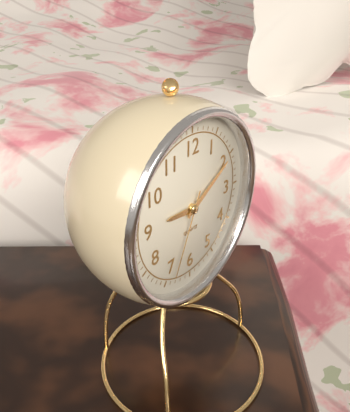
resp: 9h10m34s
